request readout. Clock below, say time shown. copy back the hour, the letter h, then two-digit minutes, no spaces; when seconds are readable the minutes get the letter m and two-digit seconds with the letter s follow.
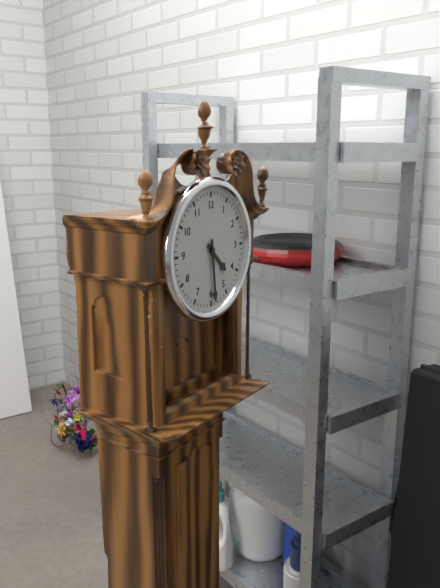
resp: 4h29
